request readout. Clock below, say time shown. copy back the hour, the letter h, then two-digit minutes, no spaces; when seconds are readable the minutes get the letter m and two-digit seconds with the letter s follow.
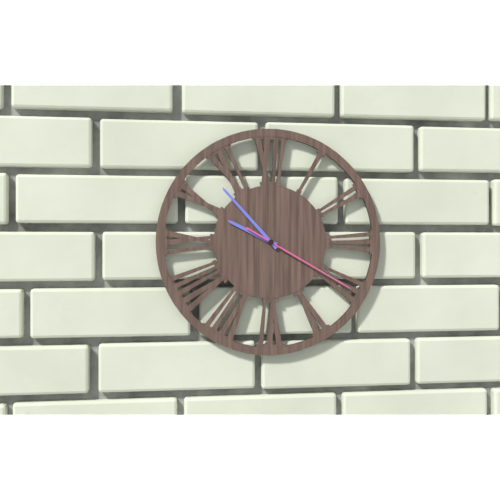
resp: 9h53m20s
